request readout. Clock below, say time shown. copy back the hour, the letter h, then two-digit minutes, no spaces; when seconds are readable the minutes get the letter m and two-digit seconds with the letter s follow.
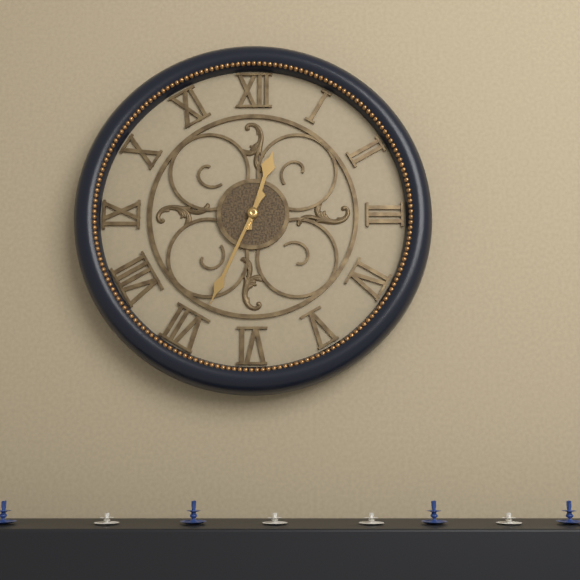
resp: 12h34
